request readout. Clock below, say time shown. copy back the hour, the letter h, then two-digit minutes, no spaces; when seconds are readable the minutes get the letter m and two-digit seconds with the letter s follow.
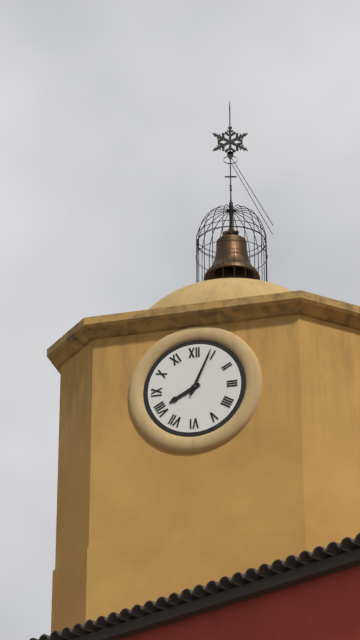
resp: 8h04
